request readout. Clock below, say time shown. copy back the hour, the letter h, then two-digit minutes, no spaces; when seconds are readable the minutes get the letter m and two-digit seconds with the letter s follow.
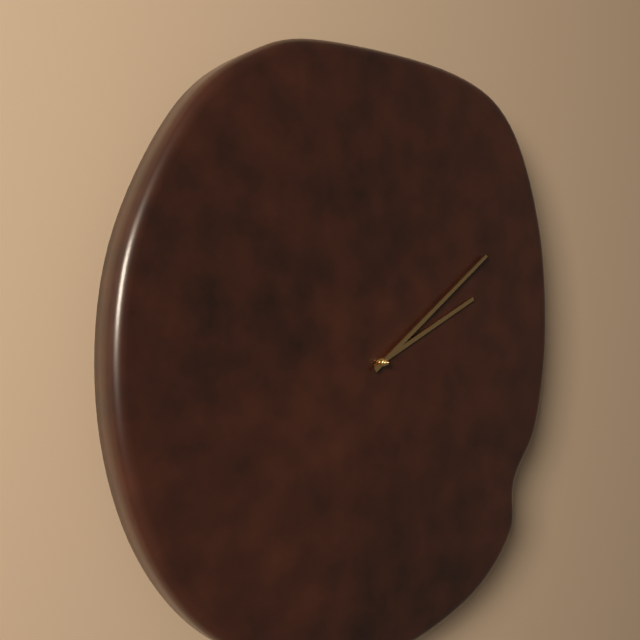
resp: 2h09
